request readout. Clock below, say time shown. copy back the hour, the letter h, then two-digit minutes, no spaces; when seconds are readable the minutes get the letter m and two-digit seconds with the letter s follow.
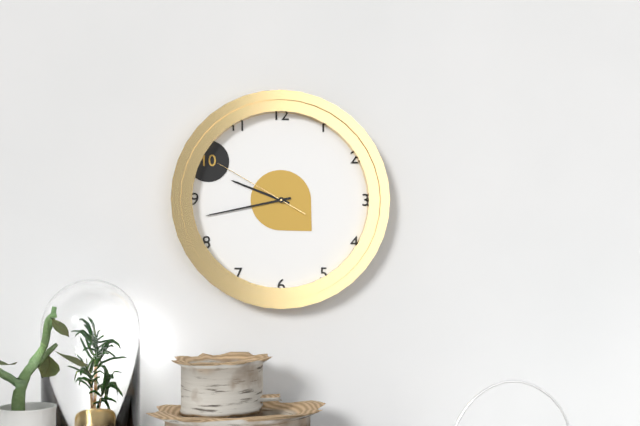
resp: 9h43m50s
